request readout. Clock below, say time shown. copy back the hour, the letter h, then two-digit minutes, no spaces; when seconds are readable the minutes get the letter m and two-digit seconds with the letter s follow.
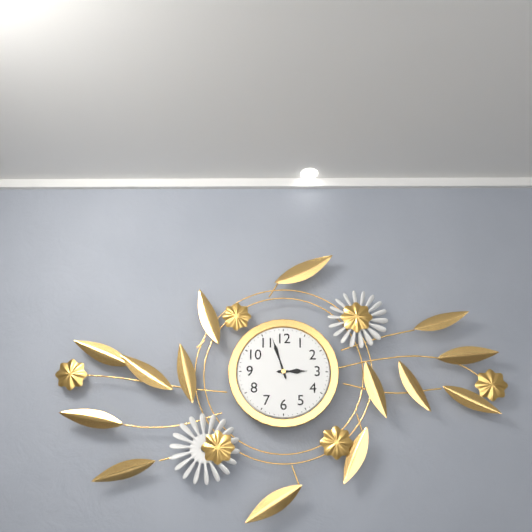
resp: 2h57
